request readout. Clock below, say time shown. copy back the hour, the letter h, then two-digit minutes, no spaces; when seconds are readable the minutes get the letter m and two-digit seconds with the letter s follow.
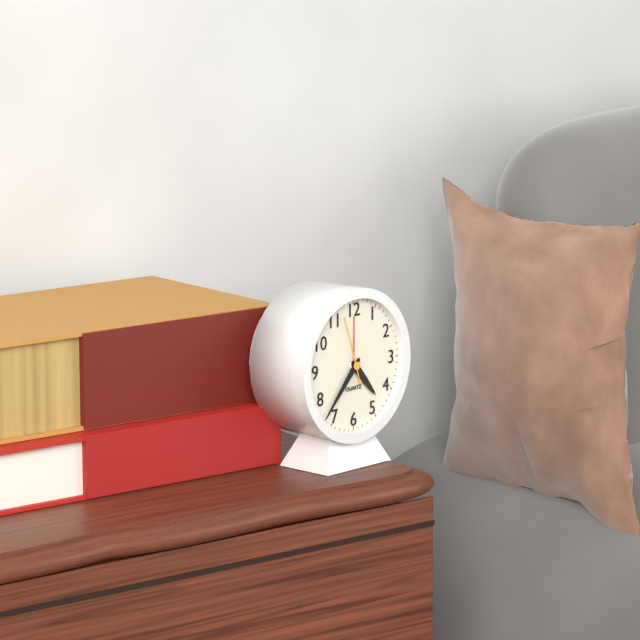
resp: 4h37m57s
